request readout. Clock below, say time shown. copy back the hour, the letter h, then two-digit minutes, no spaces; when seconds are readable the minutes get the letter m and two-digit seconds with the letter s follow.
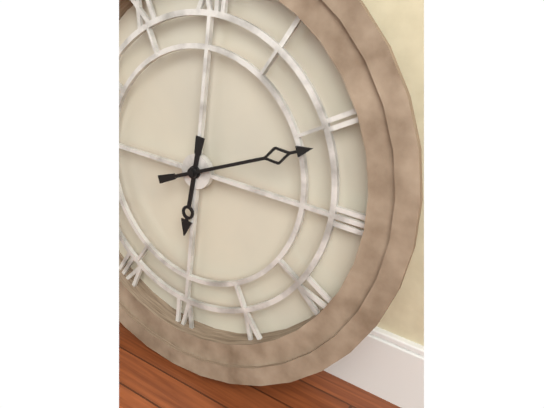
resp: 6h11
